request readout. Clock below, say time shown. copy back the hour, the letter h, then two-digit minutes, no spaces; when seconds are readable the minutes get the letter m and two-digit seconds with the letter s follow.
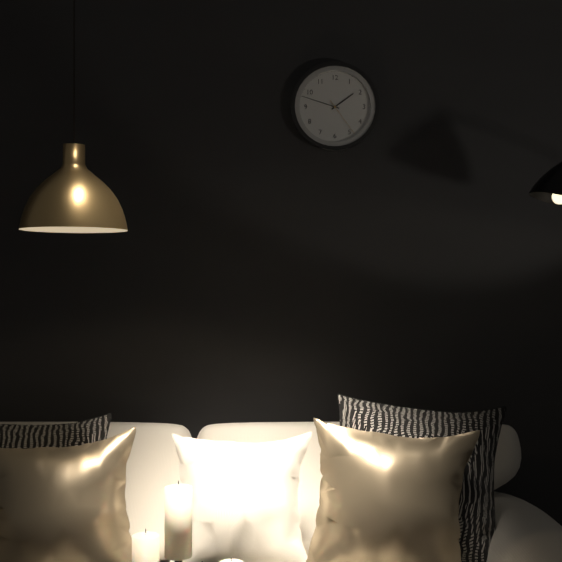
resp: 1h48
